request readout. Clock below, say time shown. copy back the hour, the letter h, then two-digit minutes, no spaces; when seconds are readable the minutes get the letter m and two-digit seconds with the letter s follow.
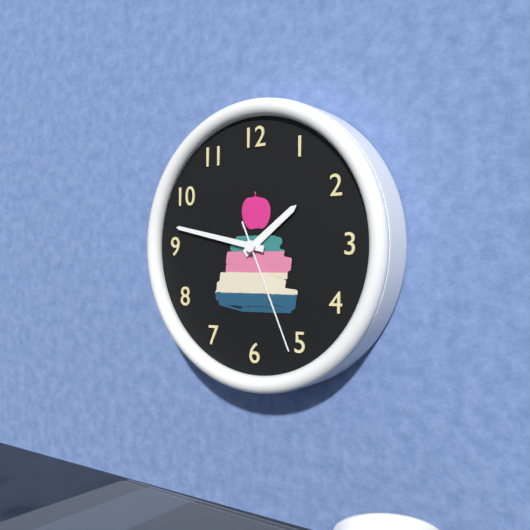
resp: 1h47m26s
